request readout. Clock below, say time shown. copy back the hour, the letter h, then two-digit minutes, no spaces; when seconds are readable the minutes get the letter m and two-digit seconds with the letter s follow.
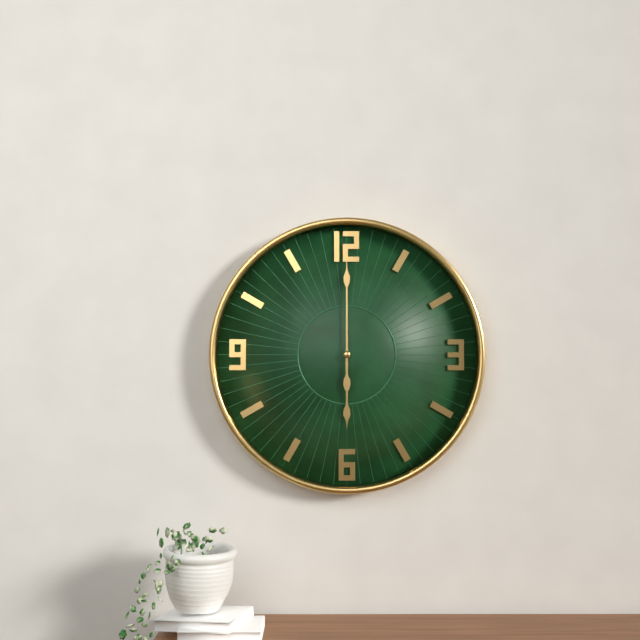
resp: 6h00
